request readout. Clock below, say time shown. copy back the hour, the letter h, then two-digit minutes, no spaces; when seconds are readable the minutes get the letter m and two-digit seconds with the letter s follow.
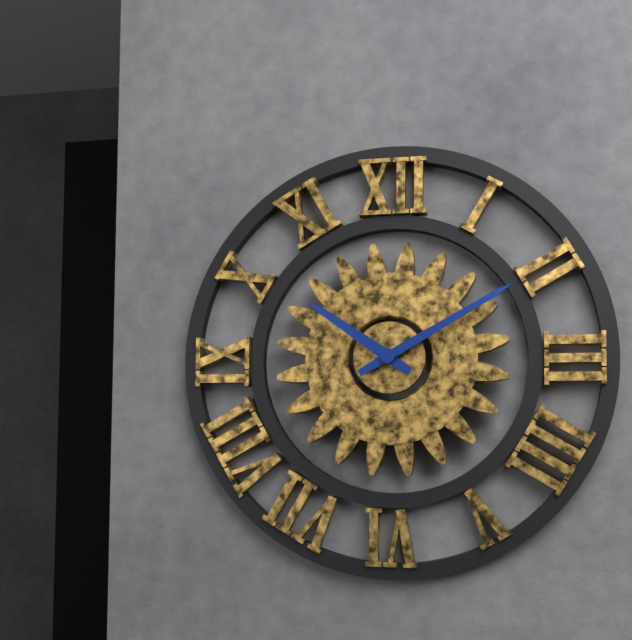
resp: 10h10
